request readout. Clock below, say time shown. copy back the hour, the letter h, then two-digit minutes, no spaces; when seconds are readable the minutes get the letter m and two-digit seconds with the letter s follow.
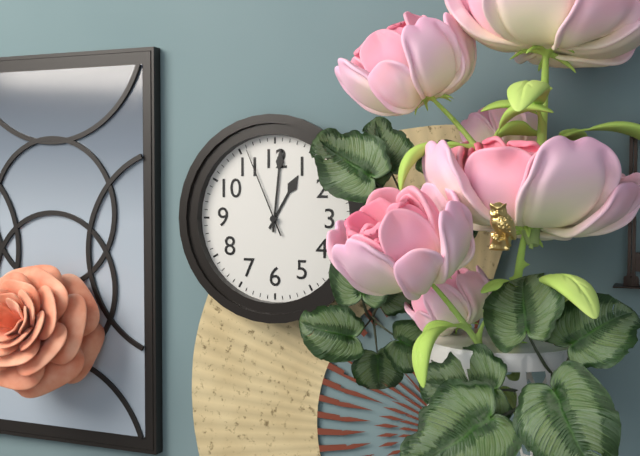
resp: 1h01m56s
